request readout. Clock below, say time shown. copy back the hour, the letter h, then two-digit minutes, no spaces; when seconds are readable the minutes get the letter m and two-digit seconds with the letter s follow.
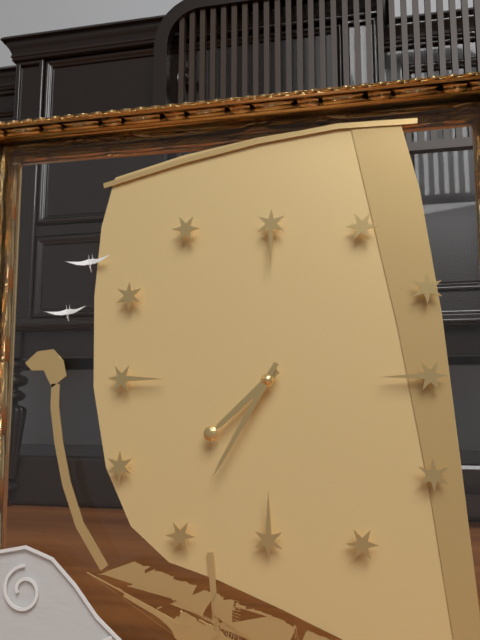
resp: 7h35
